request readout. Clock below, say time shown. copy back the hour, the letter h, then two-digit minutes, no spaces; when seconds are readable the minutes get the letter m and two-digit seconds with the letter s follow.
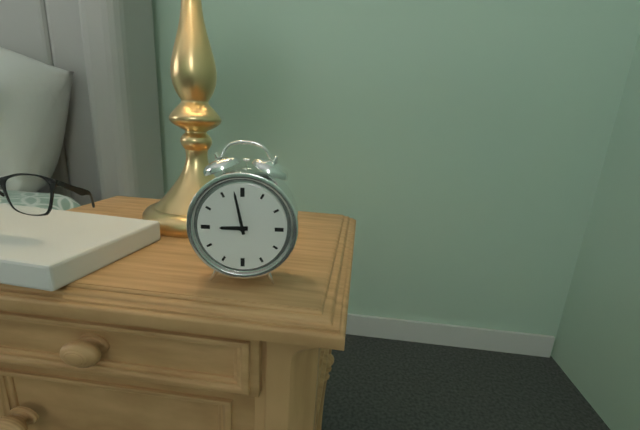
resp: 8h58
